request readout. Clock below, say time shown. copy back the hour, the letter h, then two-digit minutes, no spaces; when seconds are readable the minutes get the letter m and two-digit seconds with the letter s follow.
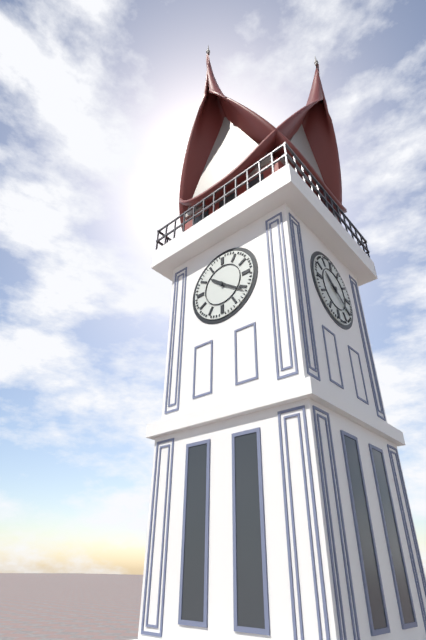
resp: 10h21
